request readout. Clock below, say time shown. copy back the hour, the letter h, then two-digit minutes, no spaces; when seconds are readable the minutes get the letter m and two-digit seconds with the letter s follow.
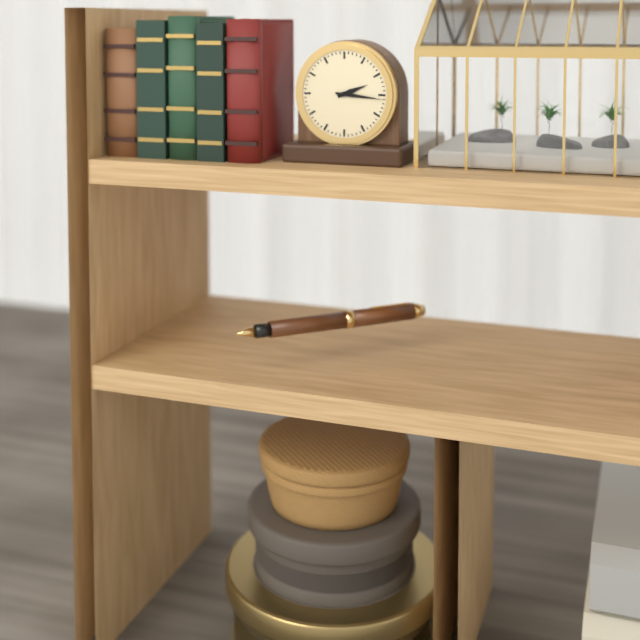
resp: 2h16
